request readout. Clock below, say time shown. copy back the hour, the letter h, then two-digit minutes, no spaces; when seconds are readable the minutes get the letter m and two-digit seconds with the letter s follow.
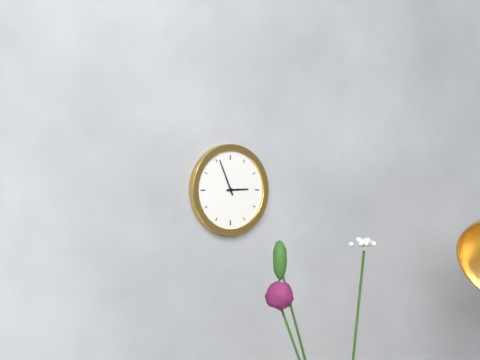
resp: 2h56
